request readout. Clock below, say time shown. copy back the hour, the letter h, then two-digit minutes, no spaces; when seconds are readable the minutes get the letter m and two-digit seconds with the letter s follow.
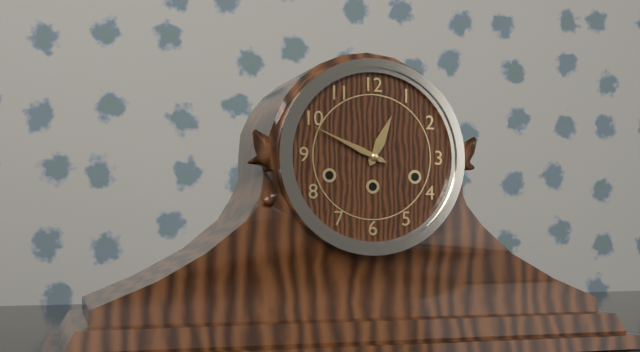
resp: 12h49
